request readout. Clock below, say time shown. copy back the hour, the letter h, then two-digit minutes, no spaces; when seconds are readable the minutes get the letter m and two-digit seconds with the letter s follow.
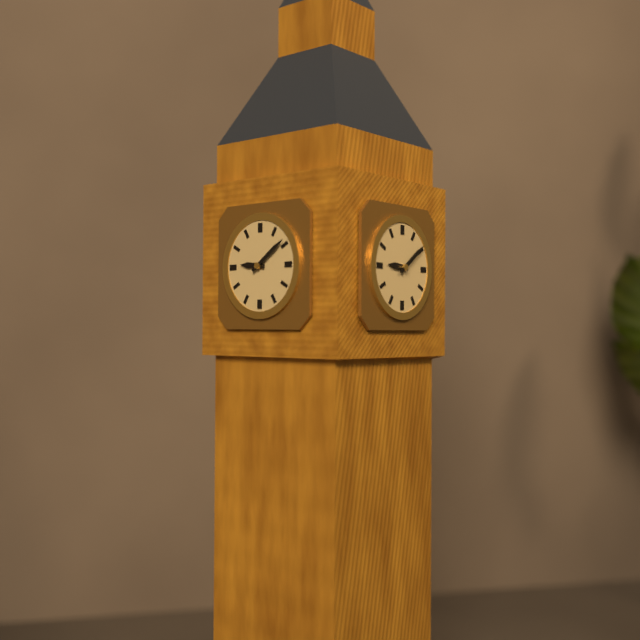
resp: 9h09
